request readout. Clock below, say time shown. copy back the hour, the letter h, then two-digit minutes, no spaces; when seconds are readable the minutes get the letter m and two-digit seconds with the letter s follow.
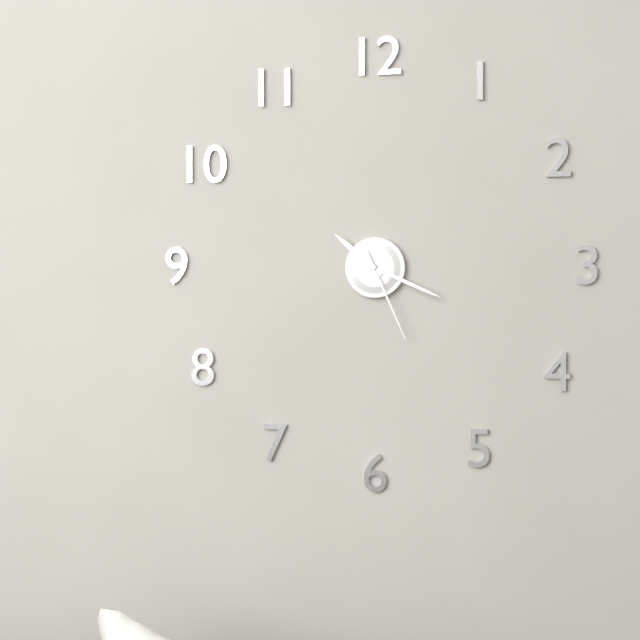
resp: 10h19m26s
